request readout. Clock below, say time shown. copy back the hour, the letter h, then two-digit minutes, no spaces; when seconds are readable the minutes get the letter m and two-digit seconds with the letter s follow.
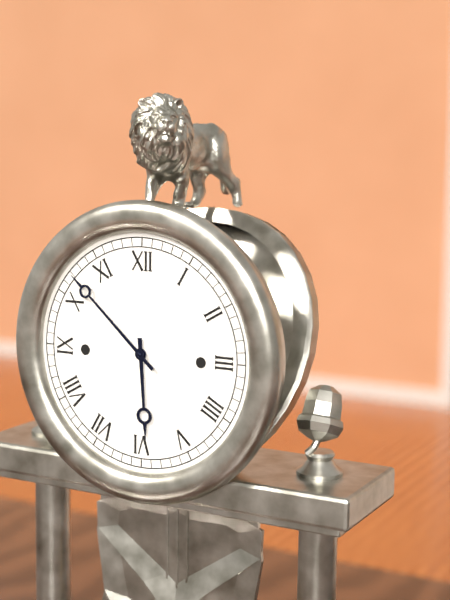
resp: 5h52
